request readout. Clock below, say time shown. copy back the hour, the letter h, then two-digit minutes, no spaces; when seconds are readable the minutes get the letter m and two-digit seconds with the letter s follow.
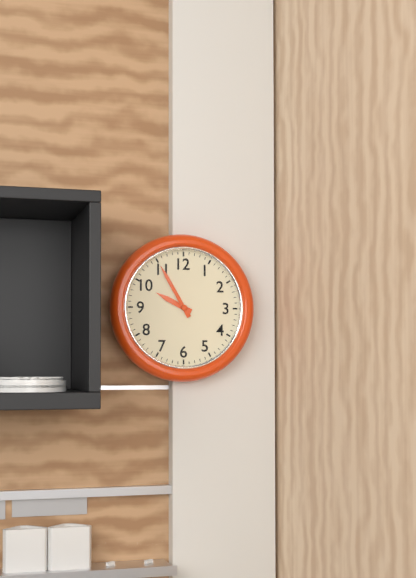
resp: 9h55
